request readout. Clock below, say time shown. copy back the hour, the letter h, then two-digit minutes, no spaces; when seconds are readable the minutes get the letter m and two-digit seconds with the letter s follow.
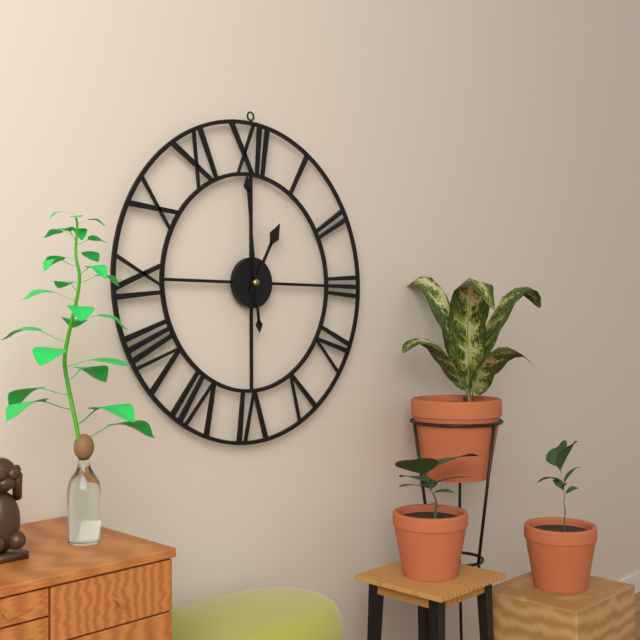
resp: 12h59
